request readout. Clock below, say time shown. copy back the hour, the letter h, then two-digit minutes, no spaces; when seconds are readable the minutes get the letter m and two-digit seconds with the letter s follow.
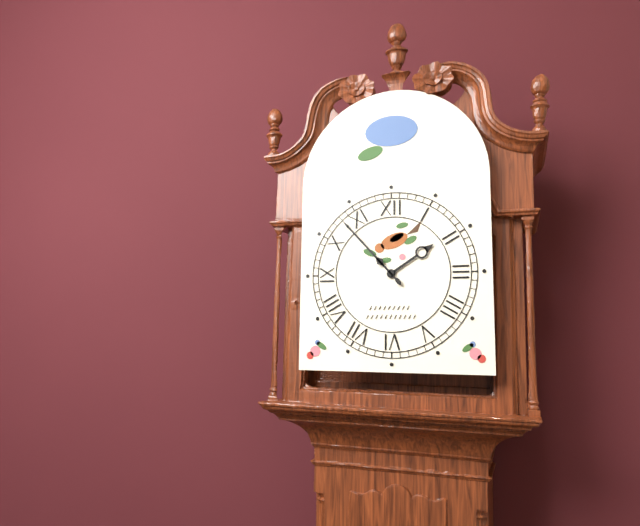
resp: 1h53
